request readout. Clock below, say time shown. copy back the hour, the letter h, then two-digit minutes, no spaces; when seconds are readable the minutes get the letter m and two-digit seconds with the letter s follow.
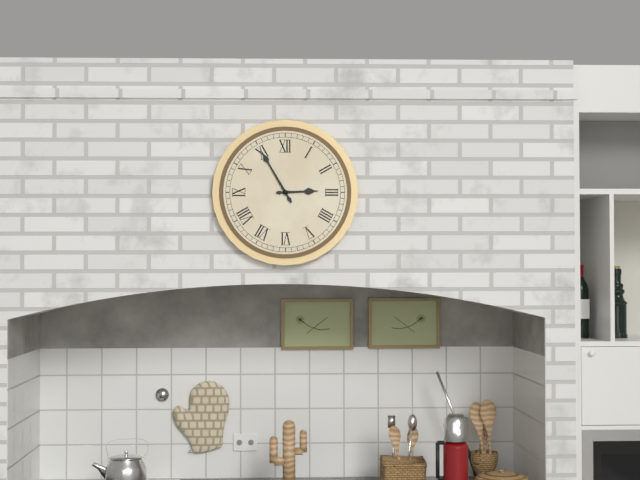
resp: 2h55
